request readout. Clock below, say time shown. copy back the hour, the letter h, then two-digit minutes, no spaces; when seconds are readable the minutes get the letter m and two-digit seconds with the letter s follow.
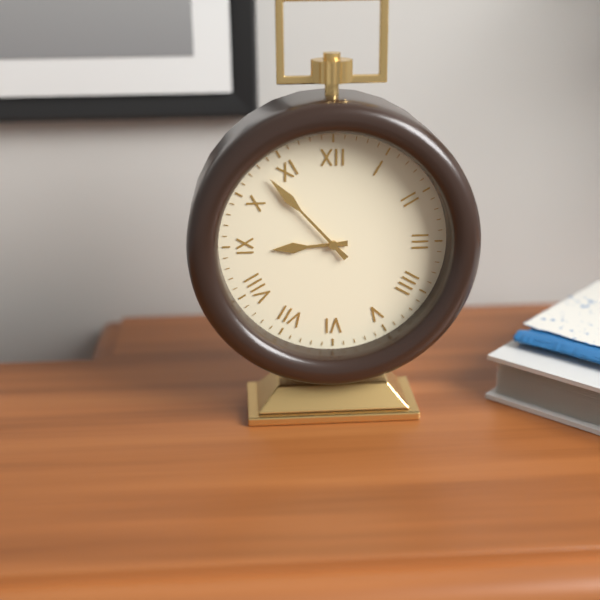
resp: 8h53
